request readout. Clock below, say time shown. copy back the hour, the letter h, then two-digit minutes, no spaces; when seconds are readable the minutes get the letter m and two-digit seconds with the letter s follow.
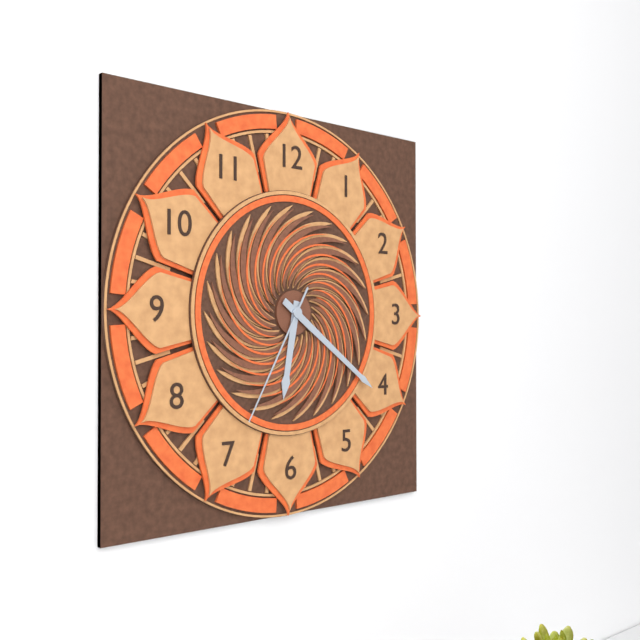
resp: 6h21m35s
